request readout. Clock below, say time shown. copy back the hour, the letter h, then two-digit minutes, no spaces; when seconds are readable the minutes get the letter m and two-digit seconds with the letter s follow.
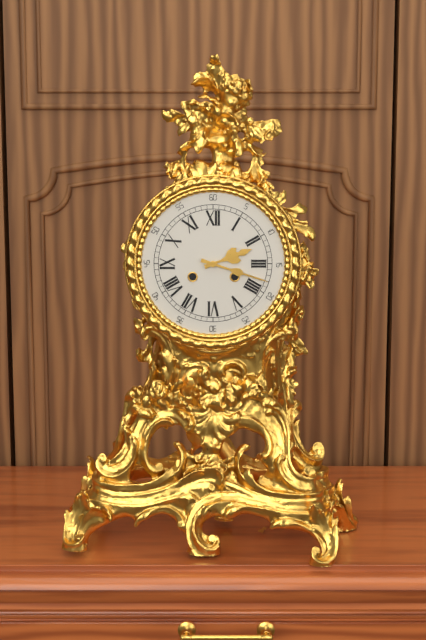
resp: 2h18
